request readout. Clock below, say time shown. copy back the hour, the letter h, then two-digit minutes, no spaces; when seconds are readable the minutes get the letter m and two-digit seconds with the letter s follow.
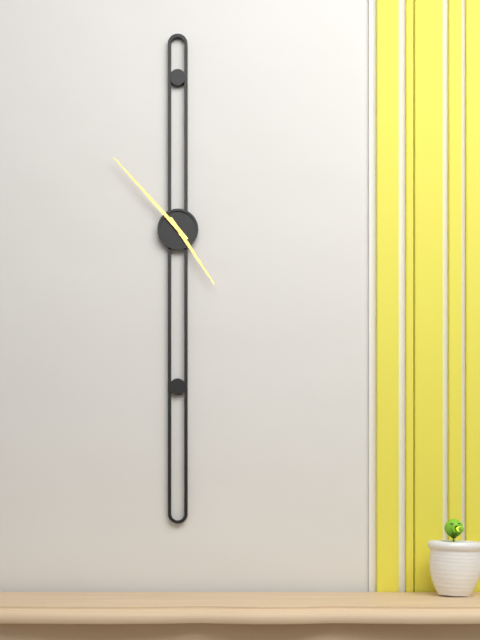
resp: 4h53
